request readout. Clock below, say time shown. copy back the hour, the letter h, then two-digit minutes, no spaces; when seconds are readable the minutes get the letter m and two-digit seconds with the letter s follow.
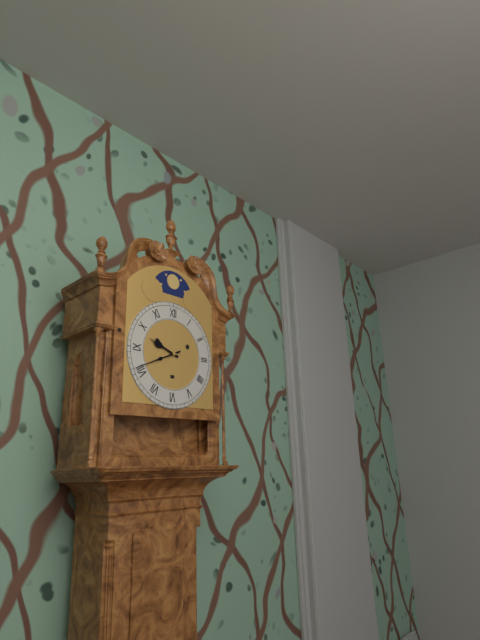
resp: 9h41
